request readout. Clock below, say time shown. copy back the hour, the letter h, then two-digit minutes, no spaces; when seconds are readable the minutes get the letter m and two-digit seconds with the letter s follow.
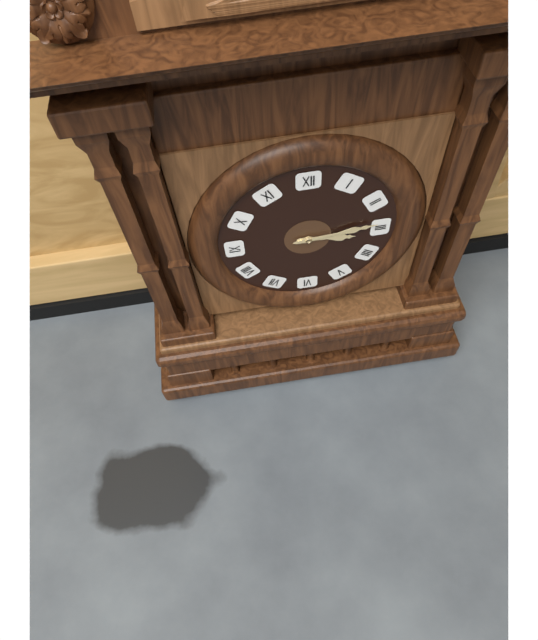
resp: 3h14
